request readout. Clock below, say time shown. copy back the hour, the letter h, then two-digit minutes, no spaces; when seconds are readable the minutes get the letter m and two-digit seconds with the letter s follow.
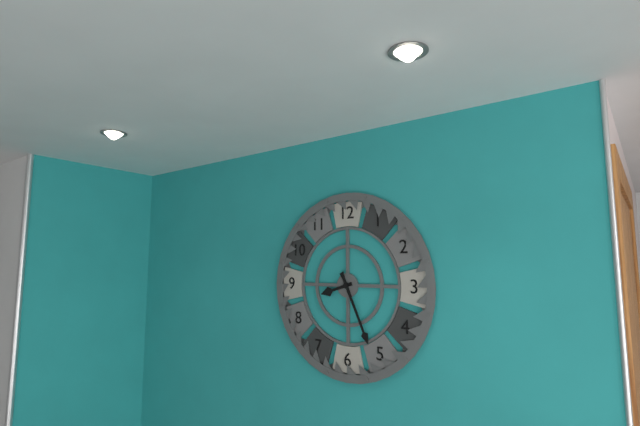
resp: 8h26
